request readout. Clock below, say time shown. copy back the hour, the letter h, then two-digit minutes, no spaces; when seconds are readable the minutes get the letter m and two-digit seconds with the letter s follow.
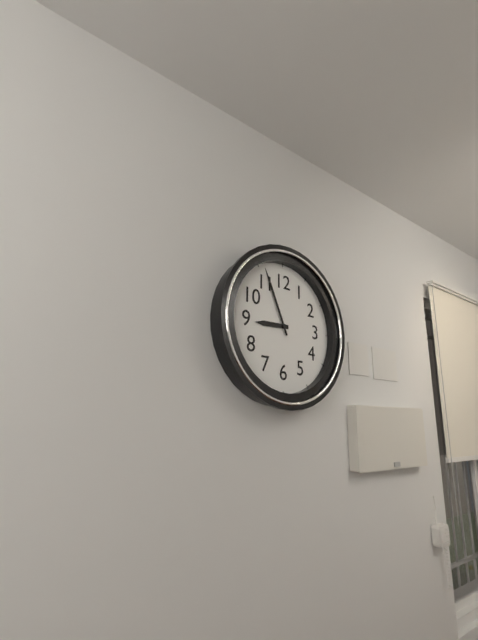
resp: 8h56
